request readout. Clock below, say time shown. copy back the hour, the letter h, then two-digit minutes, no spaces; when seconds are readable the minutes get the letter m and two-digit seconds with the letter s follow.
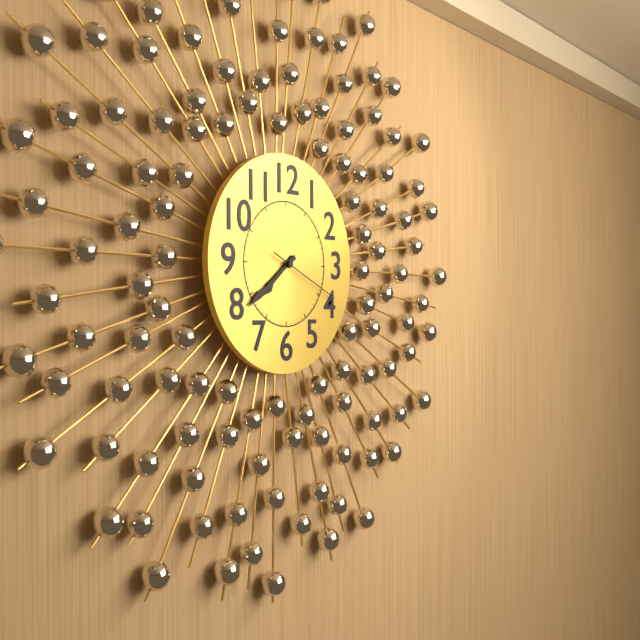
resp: 7h39m19s
